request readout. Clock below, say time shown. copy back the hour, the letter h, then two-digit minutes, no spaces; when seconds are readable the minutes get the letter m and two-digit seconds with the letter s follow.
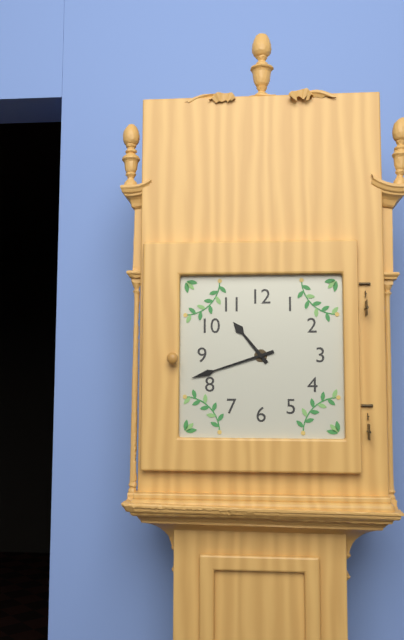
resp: 10h42
